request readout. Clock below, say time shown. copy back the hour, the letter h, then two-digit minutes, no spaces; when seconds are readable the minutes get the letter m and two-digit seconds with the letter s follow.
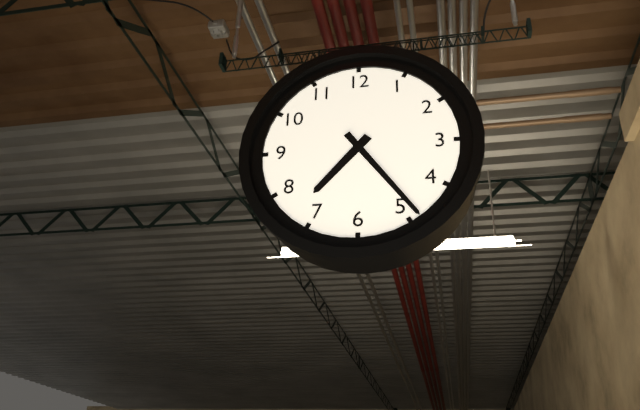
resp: 7h24
